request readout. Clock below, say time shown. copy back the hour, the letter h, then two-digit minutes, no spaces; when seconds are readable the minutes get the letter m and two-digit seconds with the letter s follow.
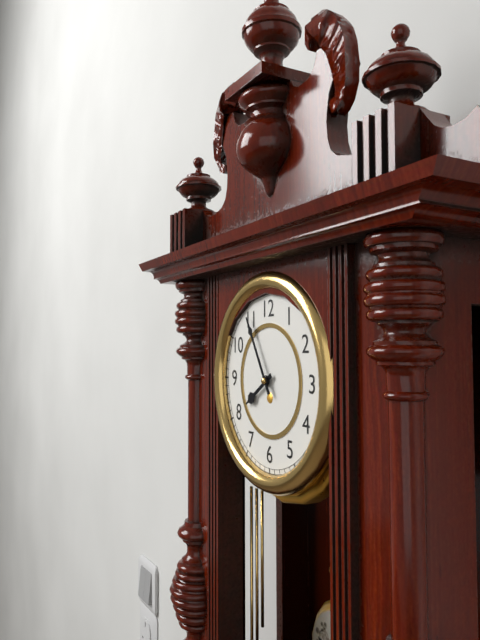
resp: 7h55
